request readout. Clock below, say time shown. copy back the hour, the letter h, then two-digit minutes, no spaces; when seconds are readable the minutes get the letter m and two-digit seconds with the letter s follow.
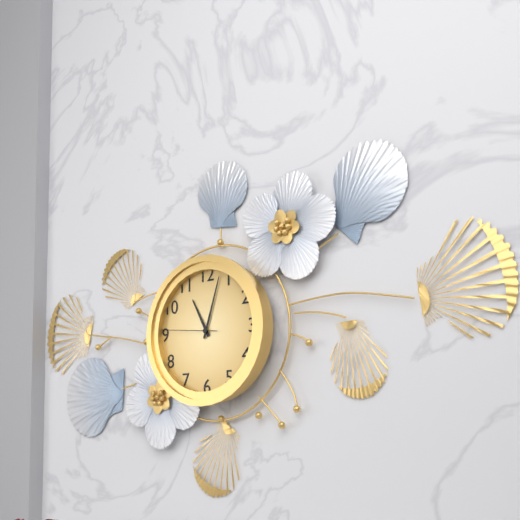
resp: 11h03m46s
